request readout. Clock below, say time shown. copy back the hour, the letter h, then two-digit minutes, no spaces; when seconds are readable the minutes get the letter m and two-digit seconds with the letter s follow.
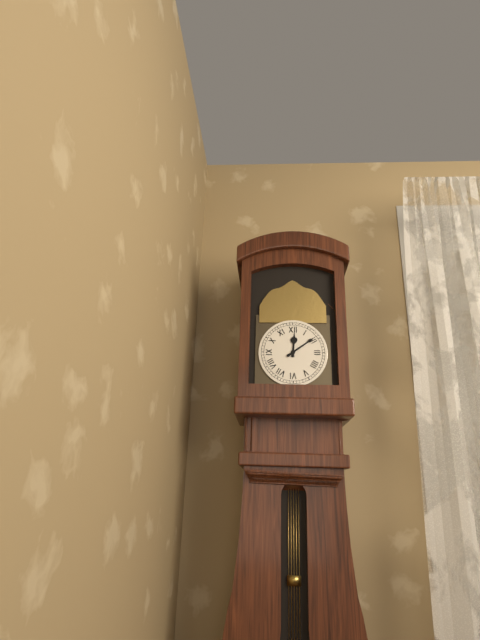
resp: 12h09
